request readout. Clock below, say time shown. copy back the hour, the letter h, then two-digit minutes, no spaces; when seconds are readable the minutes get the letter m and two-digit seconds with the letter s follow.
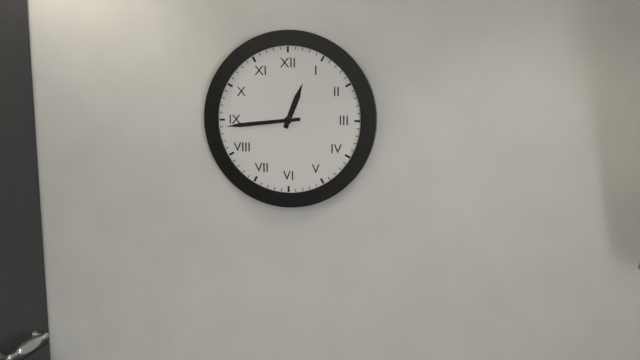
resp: 12h44
